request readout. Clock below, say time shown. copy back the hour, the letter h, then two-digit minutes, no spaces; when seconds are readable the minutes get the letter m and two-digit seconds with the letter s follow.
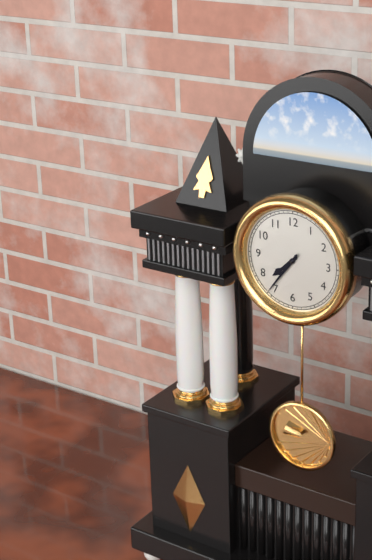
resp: 7h36
